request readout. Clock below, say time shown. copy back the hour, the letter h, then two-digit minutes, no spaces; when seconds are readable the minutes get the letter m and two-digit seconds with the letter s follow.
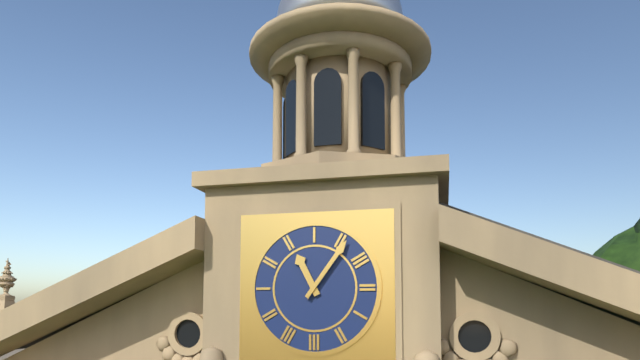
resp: 11h06
